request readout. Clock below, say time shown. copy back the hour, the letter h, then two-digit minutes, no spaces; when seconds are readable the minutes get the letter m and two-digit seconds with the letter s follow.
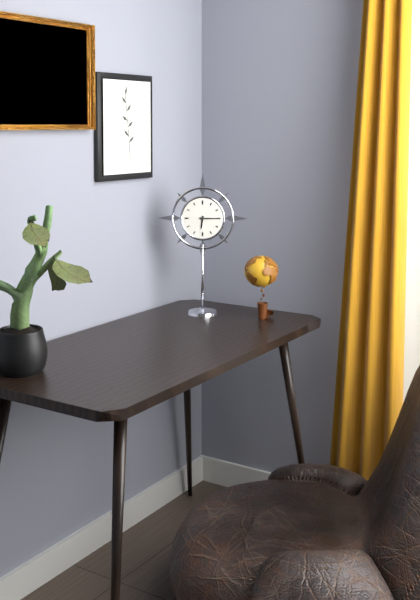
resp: 6h15
